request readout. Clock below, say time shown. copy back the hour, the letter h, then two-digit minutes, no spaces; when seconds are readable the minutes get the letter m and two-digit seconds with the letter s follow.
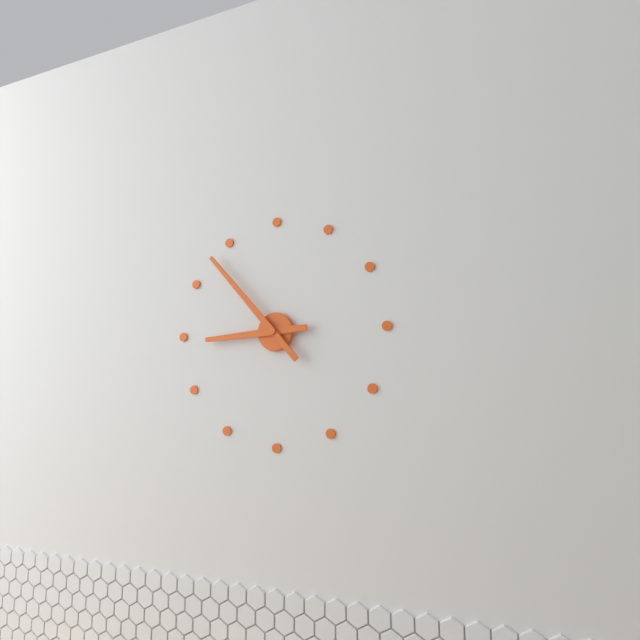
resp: 8h53
